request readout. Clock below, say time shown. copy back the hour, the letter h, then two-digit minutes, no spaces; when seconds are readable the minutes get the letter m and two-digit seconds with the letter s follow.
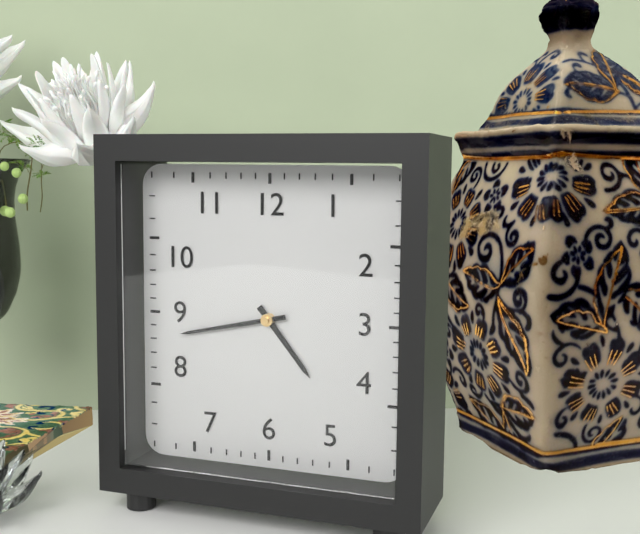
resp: 4h43
